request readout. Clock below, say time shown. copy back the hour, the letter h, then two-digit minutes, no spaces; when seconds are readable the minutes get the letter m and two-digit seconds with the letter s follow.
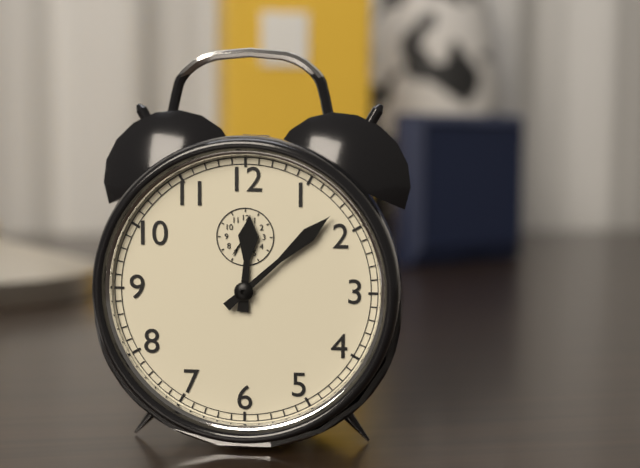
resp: 12h08
